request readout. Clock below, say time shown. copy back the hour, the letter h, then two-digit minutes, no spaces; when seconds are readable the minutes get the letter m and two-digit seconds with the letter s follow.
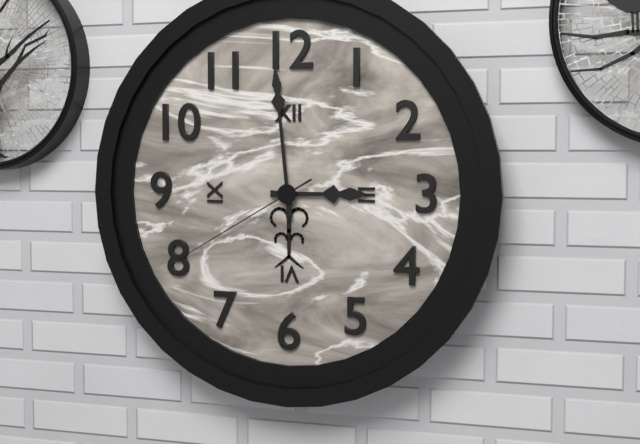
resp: 2h59m40s
